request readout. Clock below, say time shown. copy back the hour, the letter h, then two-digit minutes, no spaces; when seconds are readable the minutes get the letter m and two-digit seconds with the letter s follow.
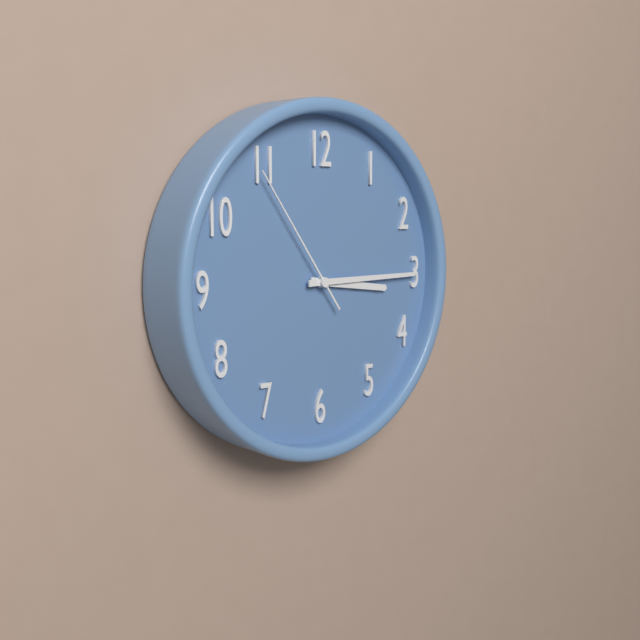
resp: 3h15m54s
